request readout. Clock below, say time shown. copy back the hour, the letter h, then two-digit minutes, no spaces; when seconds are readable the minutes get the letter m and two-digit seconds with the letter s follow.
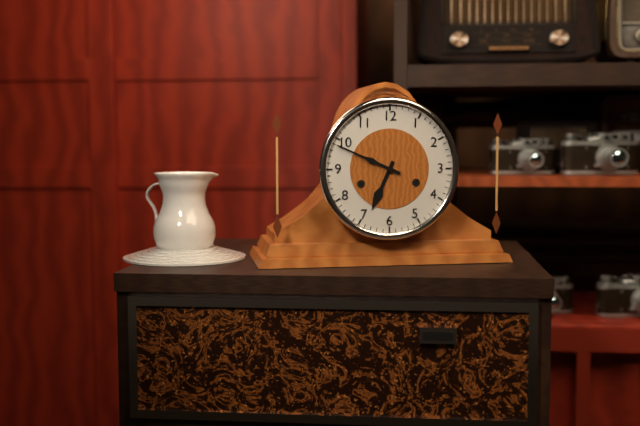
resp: 6h49
